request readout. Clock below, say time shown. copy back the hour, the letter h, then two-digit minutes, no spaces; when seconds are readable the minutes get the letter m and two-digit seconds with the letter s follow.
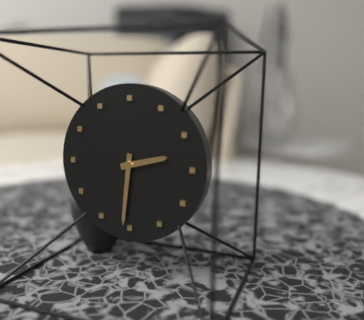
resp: 2h31
